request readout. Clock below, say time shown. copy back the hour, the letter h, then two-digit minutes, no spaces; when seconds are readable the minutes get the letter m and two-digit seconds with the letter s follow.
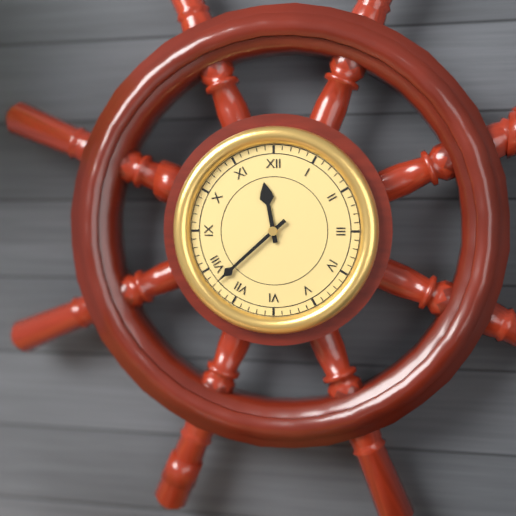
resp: 11h38
